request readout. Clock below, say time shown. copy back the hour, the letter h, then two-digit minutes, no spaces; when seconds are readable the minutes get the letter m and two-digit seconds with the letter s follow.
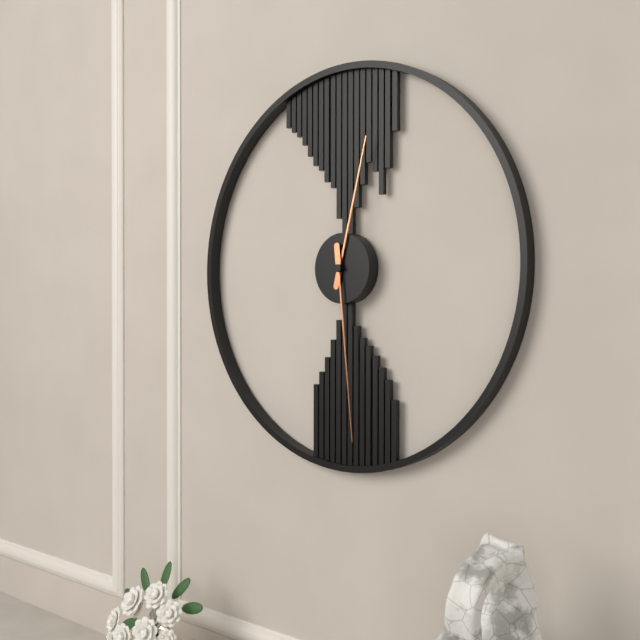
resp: 12h29
